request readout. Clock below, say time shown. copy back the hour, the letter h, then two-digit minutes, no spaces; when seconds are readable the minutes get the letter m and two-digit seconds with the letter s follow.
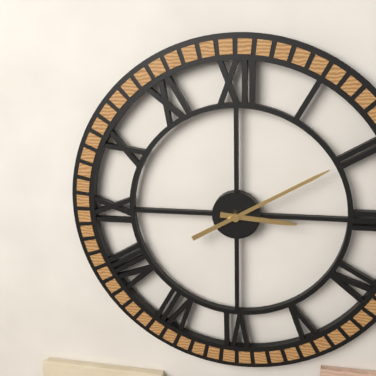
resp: 3h10
